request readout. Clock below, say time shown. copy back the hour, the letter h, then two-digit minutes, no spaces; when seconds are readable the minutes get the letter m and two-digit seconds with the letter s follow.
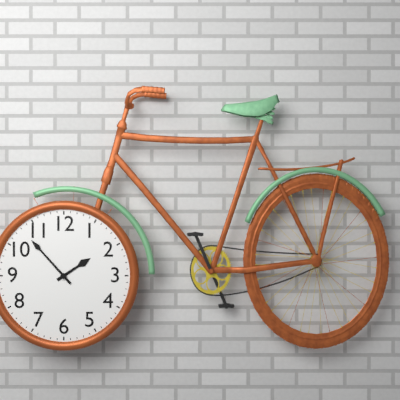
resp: 1h53
